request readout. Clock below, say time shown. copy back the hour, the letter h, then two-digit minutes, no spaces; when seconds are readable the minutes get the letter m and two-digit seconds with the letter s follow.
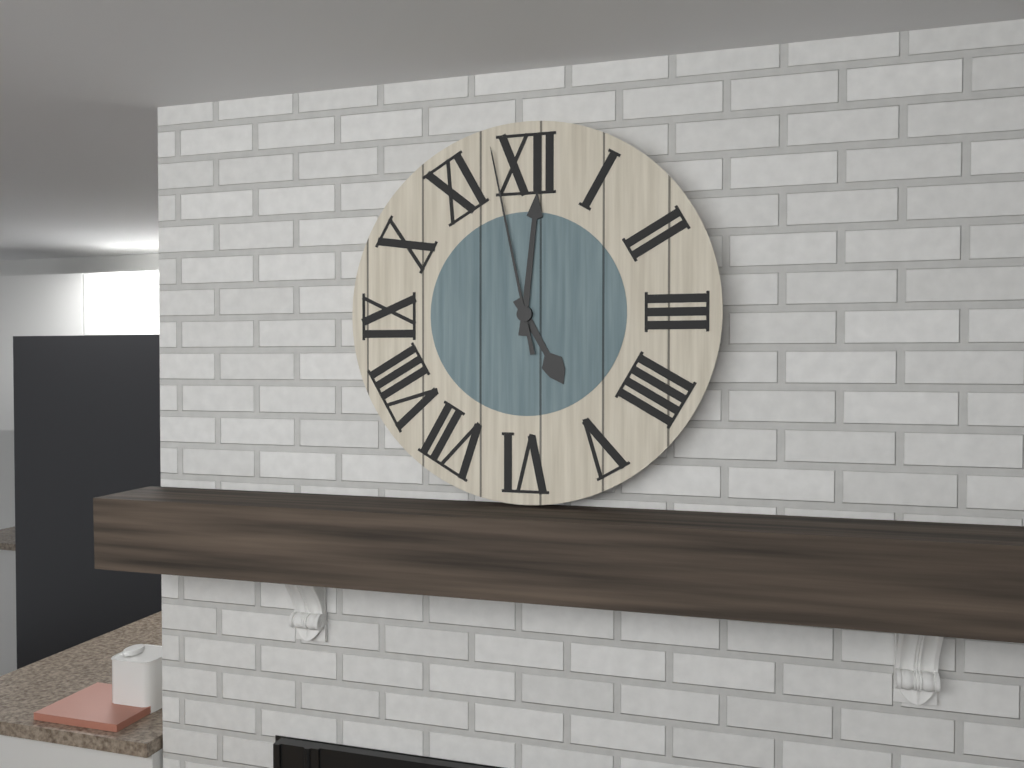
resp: 5h01m58s
